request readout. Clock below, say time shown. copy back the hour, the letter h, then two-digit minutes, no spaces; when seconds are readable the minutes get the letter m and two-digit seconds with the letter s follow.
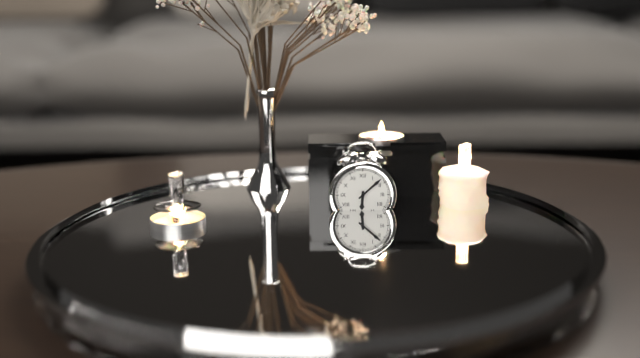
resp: 6h08
